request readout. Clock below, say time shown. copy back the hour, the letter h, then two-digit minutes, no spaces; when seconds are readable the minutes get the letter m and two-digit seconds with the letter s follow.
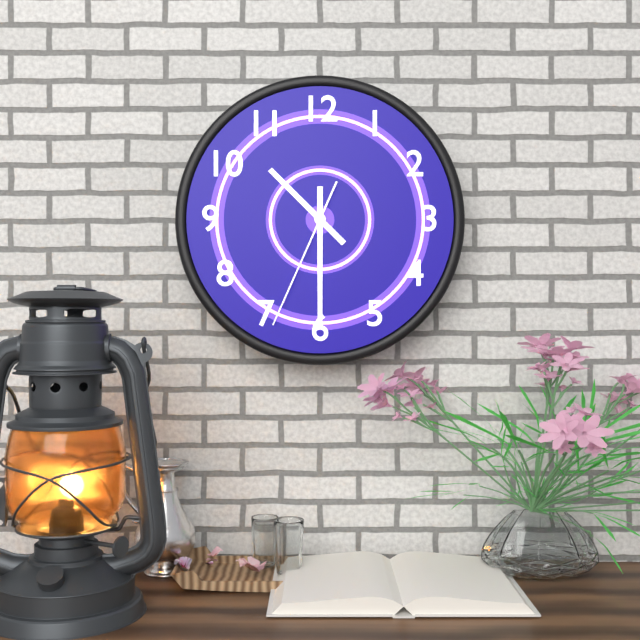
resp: 10h30m34s
